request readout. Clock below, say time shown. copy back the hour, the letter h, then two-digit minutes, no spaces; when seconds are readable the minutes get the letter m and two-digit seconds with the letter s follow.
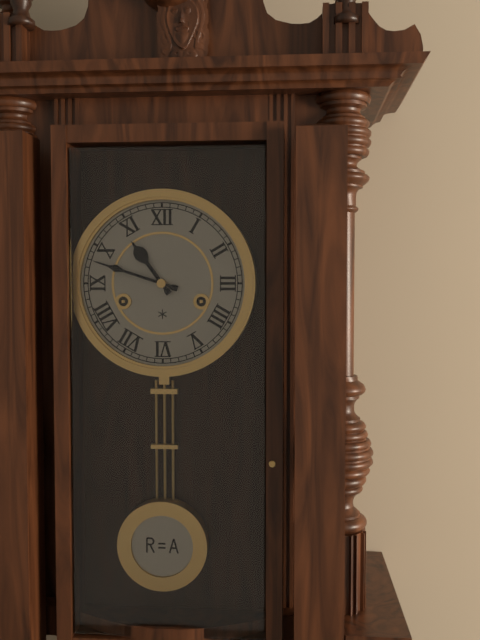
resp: 10h48
